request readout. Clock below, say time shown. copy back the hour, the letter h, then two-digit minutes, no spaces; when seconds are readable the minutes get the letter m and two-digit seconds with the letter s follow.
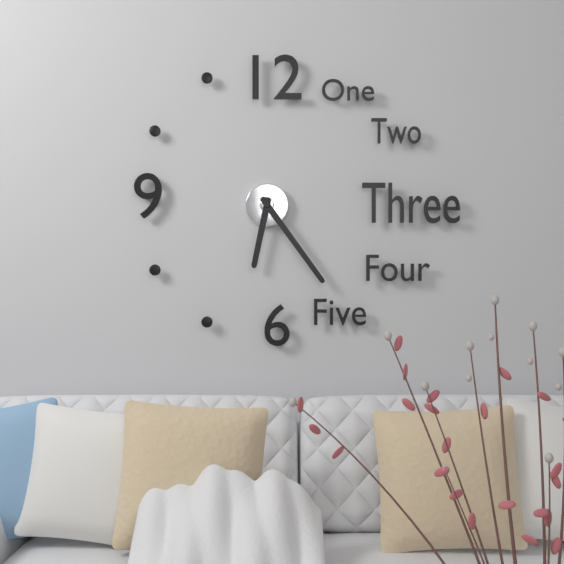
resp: 6h24
